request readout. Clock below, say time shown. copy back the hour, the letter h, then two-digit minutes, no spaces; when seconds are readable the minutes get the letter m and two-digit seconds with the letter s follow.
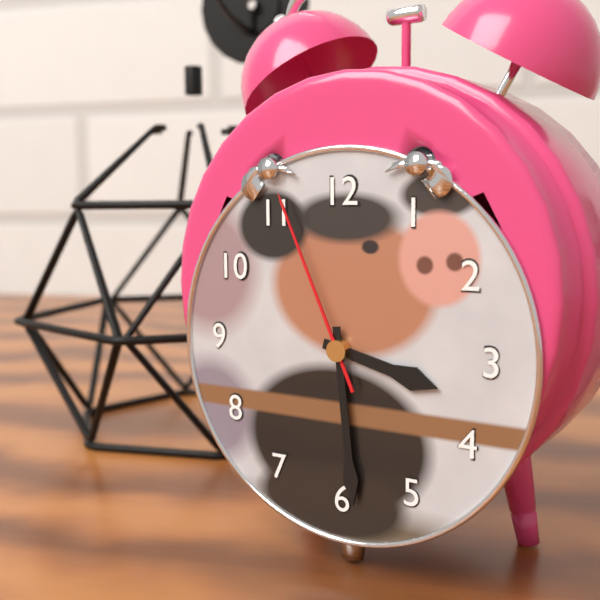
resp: 3h29m56s
